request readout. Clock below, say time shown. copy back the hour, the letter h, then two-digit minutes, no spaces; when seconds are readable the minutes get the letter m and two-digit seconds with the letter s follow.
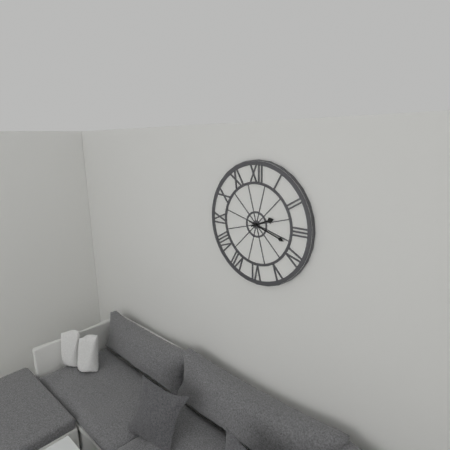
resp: 2h18
